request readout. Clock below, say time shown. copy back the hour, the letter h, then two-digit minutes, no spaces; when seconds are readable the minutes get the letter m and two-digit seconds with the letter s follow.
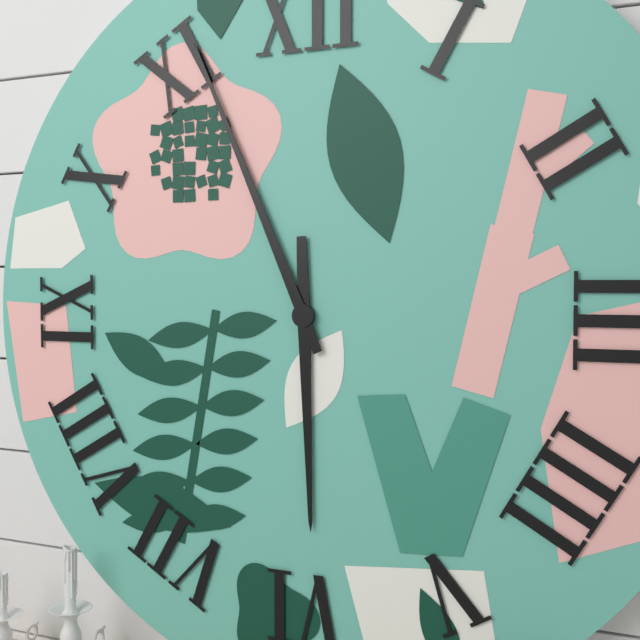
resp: 5h56
